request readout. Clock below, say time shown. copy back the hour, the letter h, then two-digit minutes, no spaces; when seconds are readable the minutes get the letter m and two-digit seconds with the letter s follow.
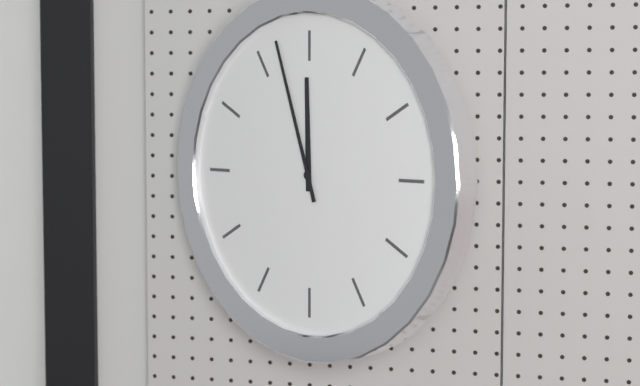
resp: 11h57
